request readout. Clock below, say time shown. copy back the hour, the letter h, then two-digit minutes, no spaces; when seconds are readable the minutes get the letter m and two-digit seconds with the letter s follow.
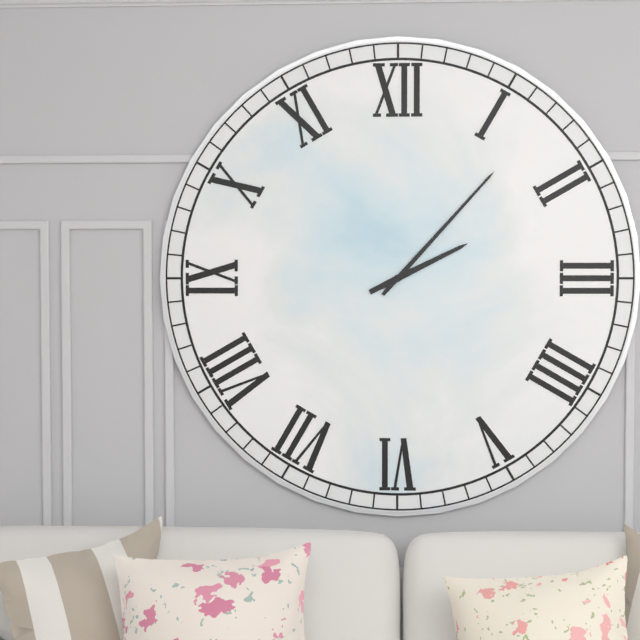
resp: 2h07
